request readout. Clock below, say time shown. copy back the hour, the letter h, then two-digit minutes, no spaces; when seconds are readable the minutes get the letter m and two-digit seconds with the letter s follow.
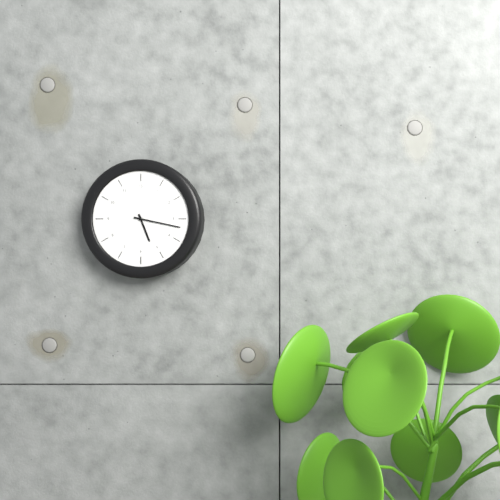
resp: 5h17
